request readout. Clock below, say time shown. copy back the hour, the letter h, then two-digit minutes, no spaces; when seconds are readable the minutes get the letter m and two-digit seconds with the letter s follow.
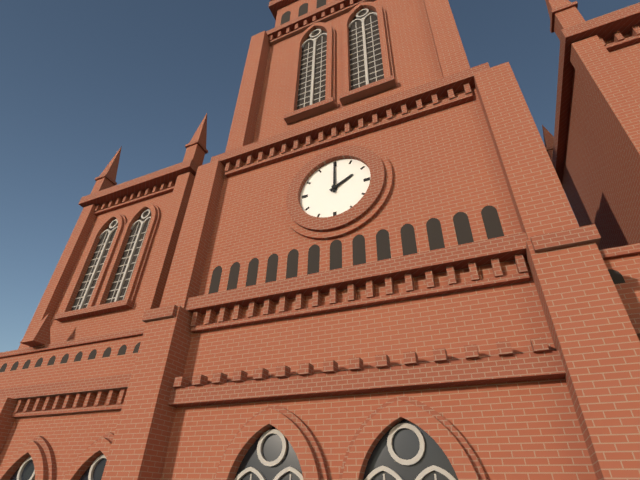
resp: 2h00
